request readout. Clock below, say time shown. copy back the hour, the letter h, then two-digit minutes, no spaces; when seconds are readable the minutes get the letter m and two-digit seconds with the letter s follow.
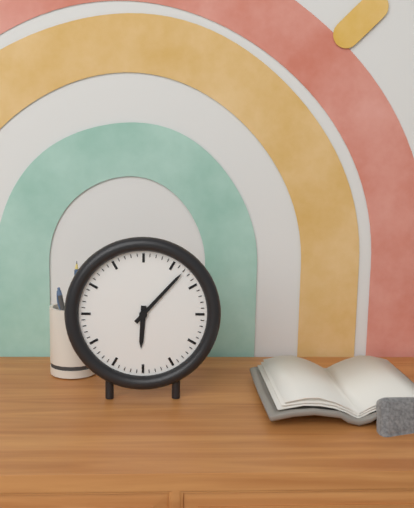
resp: 6h07
